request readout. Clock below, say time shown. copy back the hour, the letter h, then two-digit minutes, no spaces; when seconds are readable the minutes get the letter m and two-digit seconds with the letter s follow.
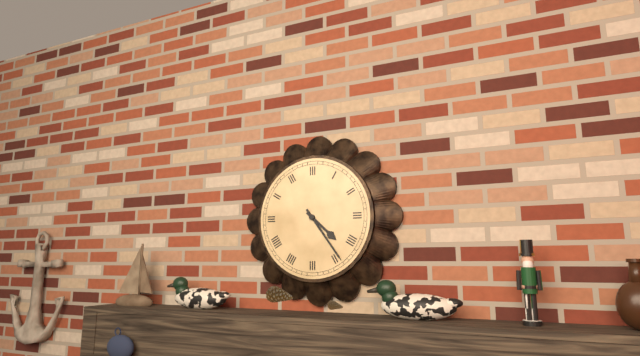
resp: 4h24
